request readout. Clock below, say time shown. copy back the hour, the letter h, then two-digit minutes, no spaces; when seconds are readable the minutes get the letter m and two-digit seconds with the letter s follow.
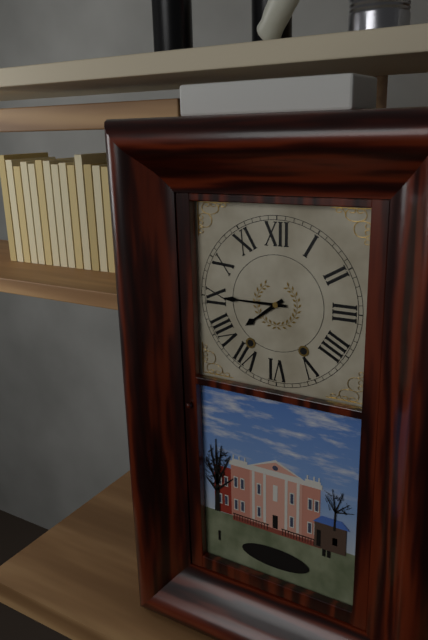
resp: 7h45
